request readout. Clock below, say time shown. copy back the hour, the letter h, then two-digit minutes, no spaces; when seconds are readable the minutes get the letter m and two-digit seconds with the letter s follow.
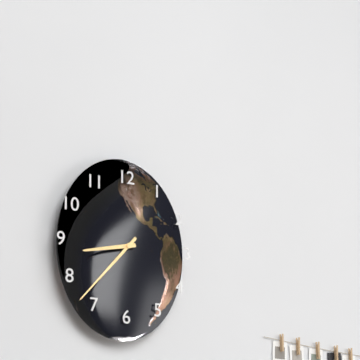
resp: 8h37
